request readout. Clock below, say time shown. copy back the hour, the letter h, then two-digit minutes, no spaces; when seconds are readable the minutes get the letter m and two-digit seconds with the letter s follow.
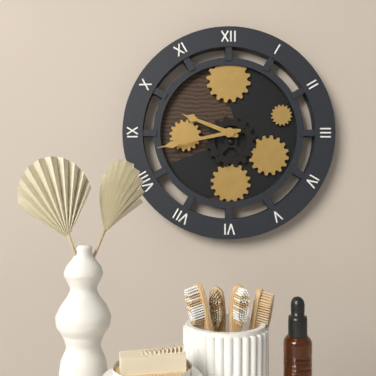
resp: 9h43
